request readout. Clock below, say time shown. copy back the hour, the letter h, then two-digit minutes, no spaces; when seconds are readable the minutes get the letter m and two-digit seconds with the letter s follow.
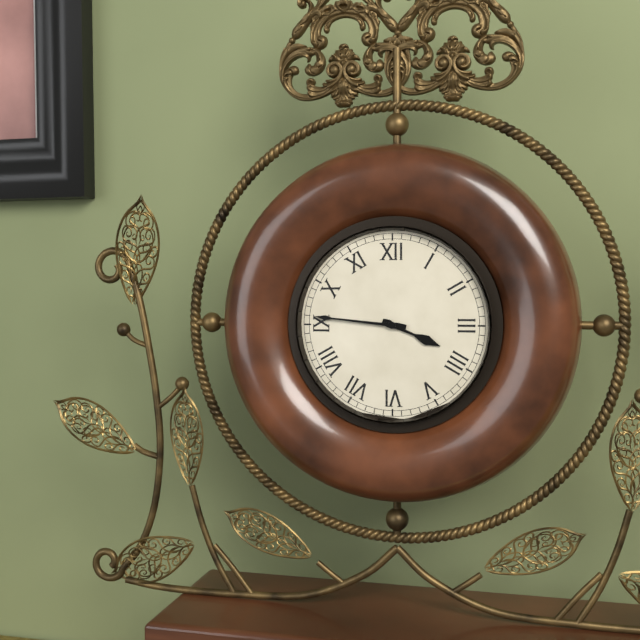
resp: 3h46
